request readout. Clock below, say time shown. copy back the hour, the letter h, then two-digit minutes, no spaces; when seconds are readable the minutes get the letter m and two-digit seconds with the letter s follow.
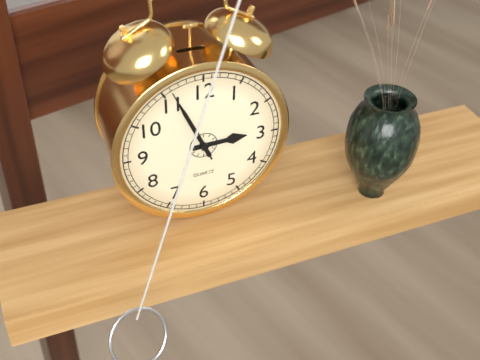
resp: 2h56m56s
